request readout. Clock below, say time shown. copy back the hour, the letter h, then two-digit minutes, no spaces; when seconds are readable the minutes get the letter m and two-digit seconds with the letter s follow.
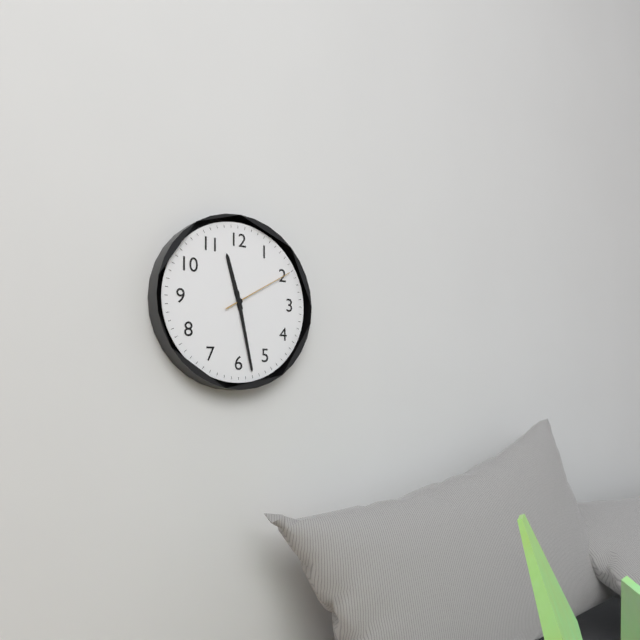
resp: 11h28m10s
